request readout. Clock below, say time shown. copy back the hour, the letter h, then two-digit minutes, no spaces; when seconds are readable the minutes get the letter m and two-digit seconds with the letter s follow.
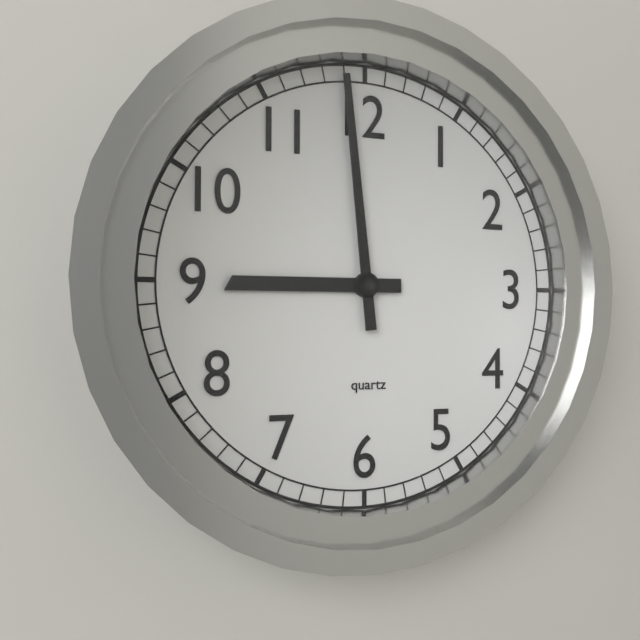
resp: 8h59
